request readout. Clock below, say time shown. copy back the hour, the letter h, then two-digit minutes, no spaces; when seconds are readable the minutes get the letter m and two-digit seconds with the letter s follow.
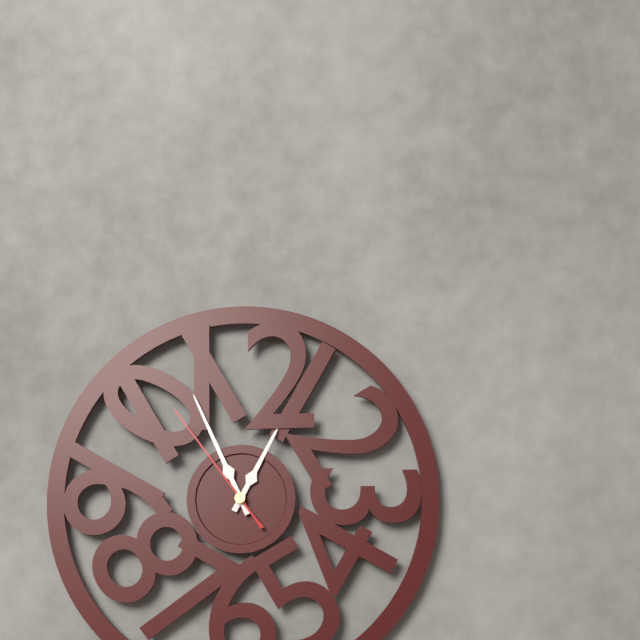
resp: 12h56m54s
